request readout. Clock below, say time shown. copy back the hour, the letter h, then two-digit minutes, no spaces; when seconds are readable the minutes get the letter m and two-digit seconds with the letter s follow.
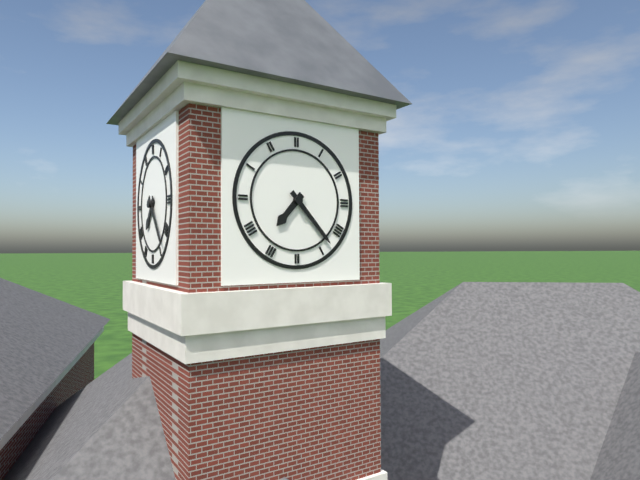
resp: 7h23
